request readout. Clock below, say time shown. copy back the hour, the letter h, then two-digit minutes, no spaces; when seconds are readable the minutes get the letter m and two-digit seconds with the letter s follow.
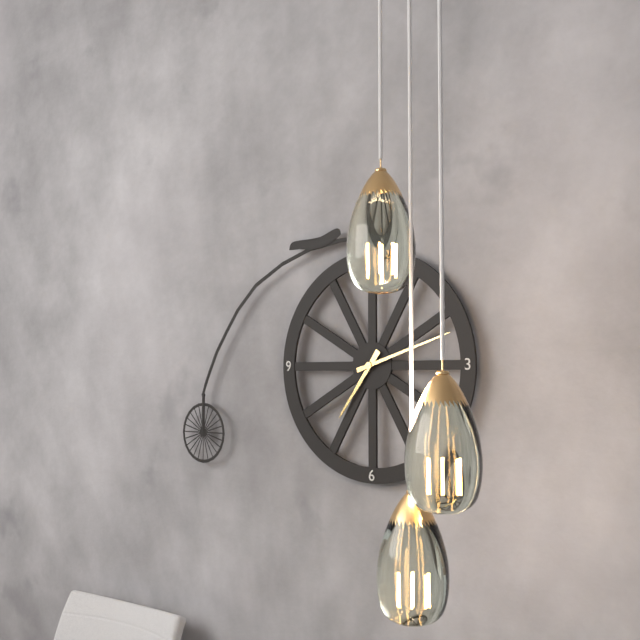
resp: 7h12
